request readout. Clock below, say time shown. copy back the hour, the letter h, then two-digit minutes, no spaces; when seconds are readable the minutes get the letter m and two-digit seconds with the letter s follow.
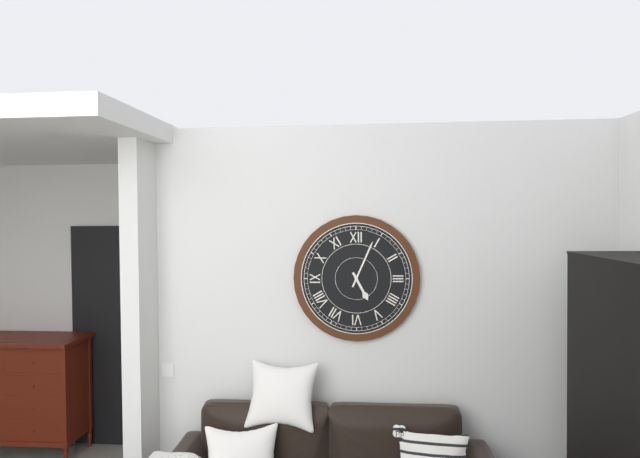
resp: 5h04
